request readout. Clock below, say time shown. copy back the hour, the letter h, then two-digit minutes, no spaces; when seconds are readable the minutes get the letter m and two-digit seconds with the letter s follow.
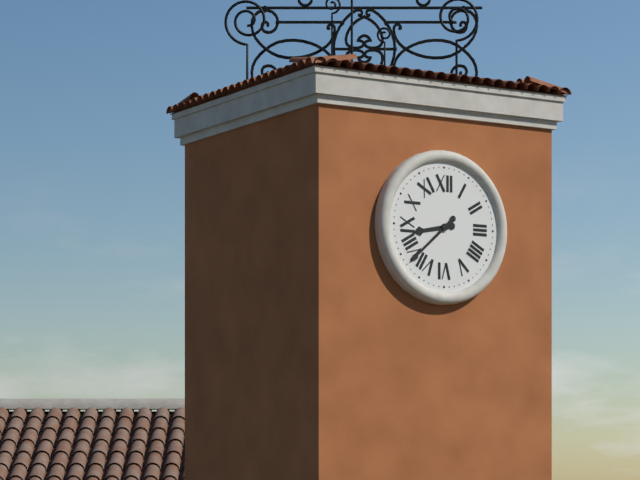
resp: 8h38
